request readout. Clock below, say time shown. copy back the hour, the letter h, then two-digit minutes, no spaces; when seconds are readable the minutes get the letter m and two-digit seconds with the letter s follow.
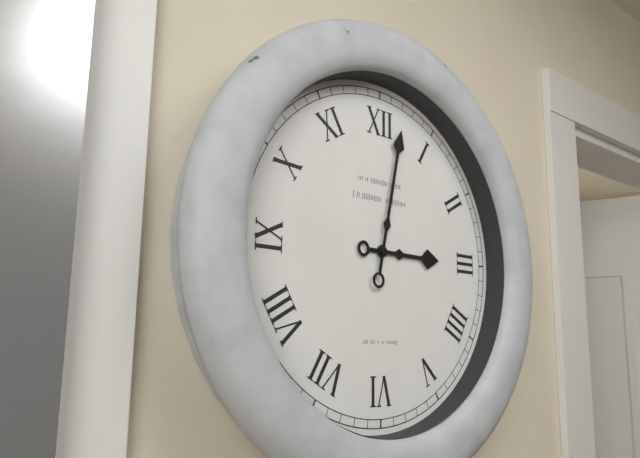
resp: 3h02
